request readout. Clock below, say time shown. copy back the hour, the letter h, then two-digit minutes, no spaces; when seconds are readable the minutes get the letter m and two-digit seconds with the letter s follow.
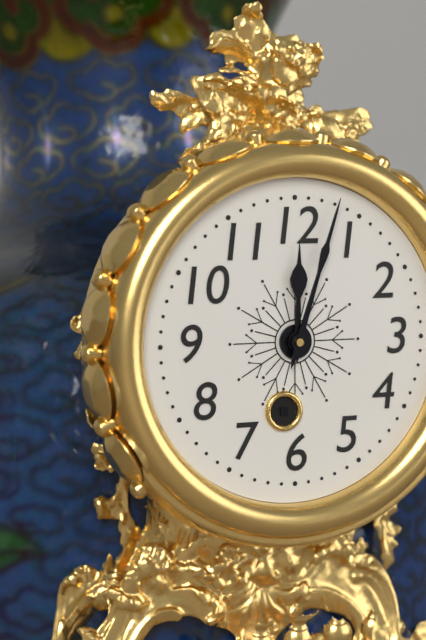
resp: 12h03
